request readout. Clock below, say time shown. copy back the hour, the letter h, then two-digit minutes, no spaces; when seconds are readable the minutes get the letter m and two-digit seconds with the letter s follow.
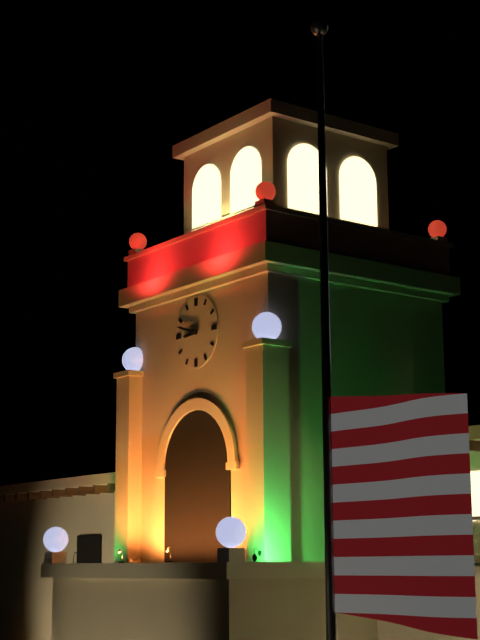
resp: 8h48
